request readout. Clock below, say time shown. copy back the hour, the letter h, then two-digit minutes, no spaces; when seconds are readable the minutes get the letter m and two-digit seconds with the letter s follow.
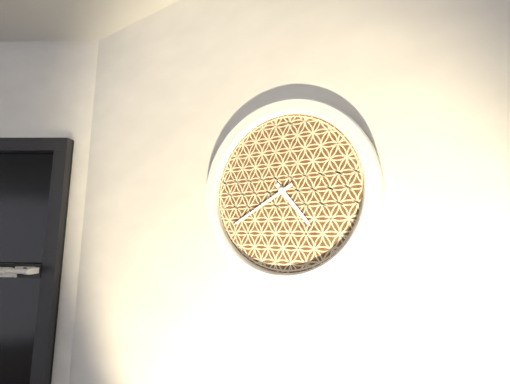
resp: 4h40
